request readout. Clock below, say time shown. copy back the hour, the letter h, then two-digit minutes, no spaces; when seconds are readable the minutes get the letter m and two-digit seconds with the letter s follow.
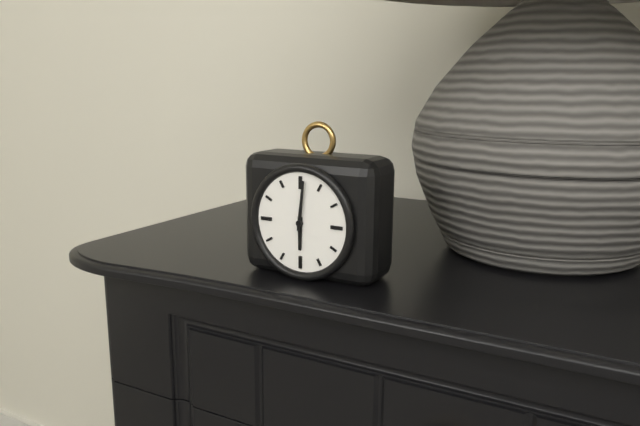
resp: 6h01
